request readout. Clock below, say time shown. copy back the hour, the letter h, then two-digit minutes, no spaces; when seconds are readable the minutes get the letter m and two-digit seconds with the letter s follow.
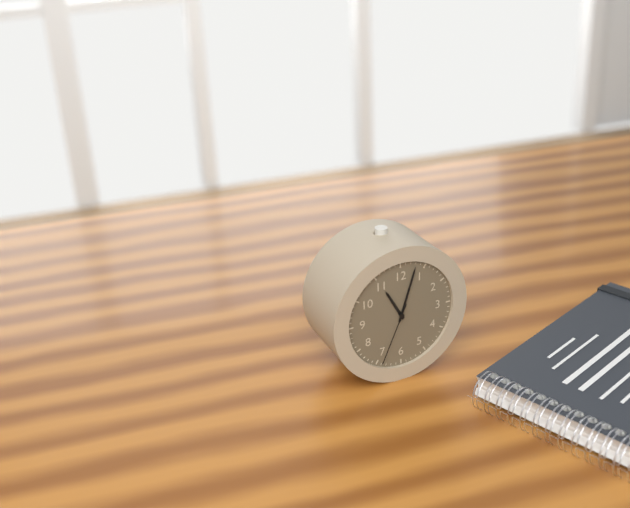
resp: 11h03m34s
